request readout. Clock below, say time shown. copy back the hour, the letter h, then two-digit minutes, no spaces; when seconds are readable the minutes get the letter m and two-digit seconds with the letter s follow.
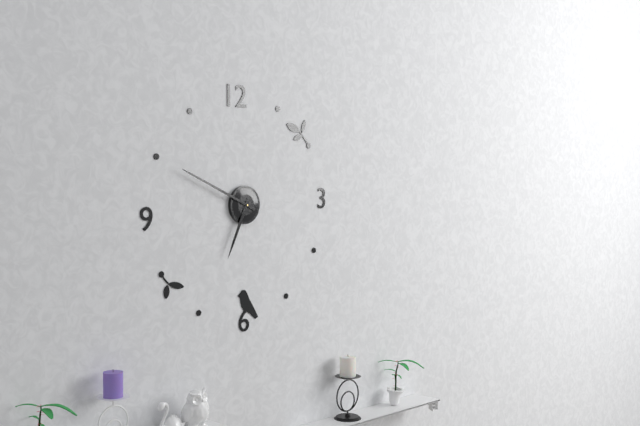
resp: 6h49
